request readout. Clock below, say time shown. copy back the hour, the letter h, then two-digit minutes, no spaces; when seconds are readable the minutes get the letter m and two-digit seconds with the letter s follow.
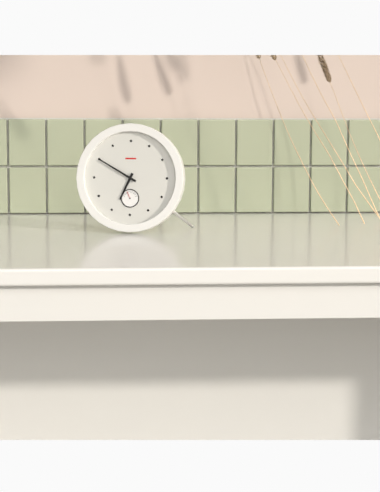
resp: 6h50
